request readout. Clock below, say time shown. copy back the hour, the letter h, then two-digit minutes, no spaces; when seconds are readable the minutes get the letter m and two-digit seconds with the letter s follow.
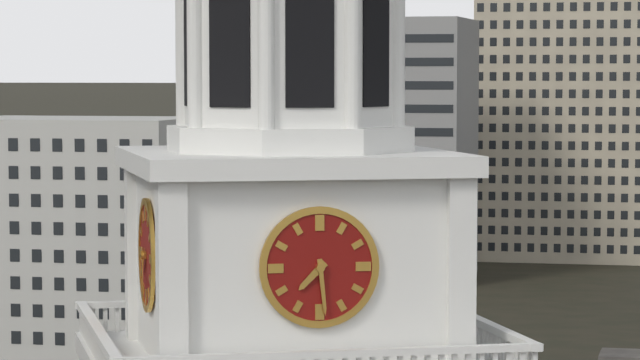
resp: 7h29
